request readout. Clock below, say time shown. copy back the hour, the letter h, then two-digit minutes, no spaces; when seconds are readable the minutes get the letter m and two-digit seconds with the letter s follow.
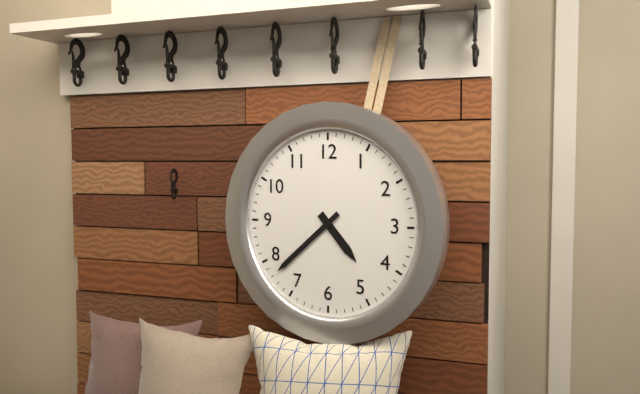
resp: 4h38
